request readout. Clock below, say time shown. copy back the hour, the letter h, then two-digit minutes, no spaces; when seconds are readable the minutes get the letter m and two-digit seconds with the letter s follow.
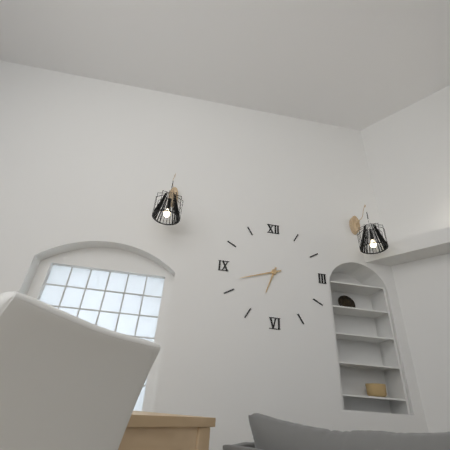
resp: 6h42
